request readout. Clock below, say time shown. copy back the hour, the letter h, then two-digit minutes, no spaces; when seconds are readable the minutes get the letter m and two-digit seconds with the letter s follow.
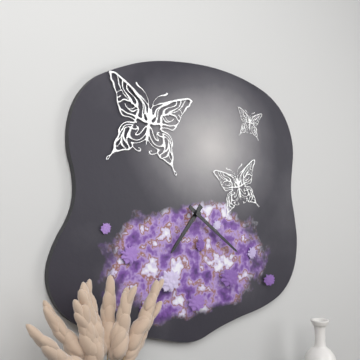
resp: 7h21
